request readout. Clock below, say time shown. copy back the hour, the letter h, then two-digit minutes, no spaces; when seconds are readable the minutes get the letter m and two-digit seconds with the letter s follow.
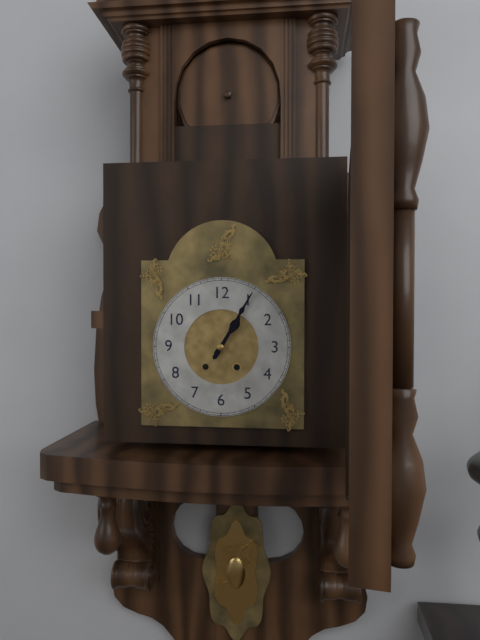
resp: 1h05
